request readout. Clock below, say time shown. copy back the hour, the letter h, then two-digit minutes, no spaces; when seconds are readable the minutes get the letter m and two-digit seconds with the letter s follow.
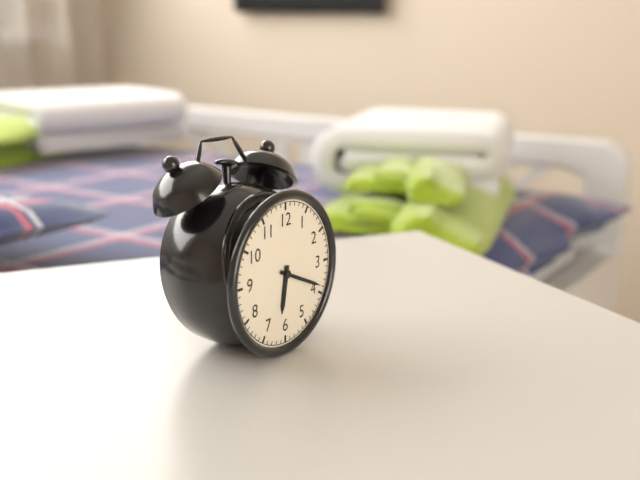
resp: 6h19
